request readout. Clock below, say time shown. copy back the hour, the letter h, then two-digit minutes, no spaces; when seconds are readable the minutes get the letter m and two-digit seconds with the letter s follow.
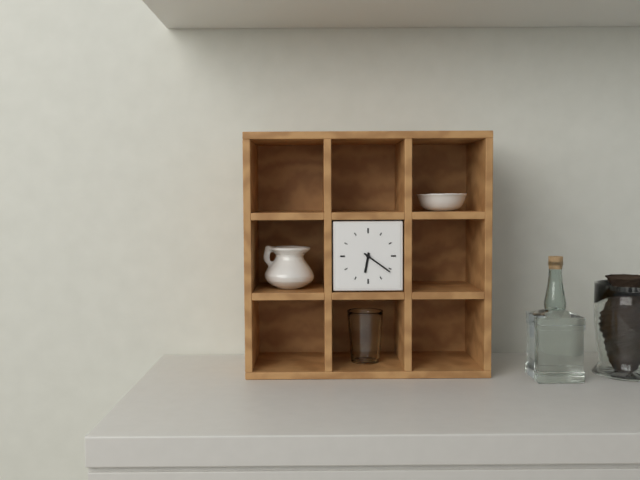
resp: 6h21
